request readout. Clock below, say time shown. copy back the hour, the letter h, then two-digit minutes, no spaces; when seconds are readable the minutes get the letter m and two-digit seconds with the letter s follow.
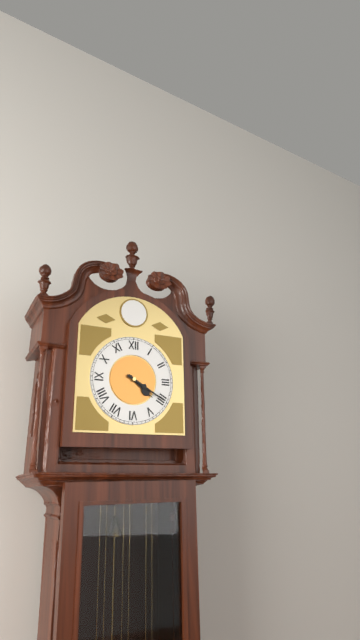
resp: 4h20
